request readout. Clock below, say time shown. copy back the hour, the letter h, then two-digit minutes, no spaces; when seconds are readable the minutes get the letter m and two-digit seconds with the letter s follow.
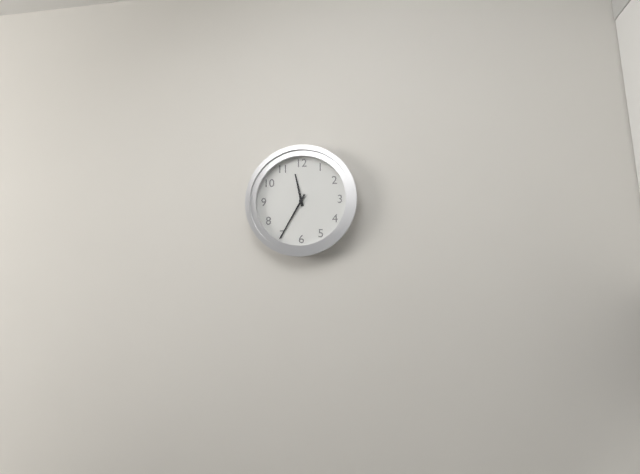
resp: 11h35
